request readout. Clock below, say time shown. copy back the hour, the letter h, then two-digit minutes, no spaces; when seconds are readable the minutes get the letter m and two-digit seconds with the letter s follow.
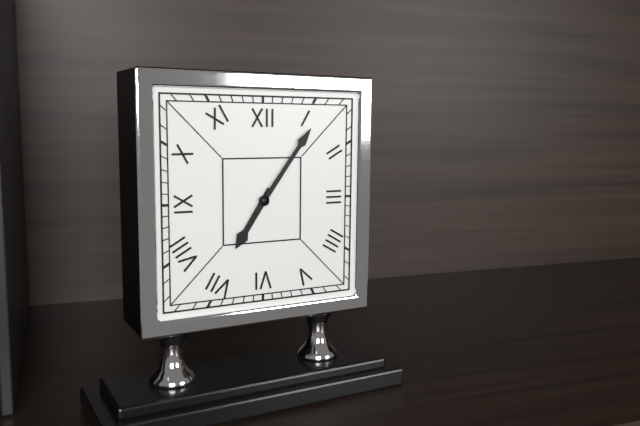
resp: 7h06
